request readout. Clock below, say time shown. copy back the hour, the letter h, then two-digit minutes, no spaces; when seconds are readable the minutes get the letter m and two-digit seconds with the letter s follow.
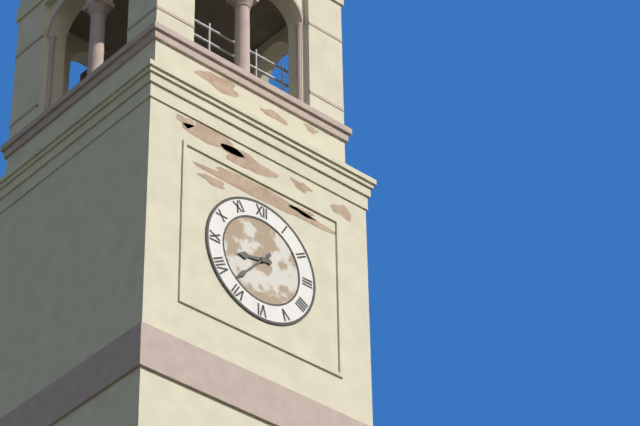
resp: 8h37
